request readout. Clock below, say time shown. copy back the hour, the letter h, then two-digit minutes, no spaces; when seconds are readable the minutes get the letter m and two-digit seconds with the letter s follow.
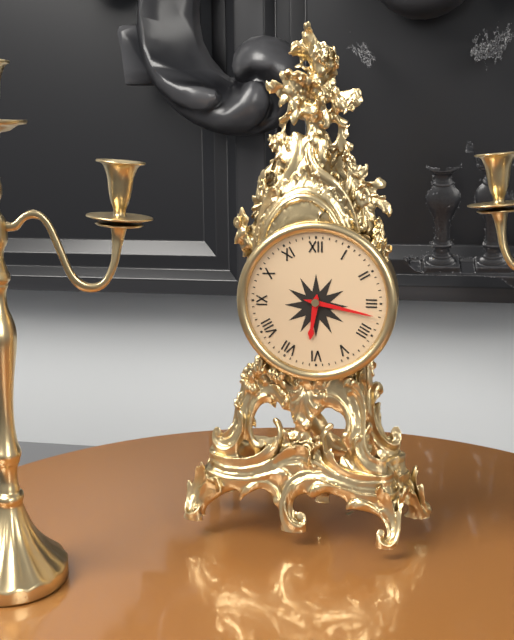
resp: 6h17
